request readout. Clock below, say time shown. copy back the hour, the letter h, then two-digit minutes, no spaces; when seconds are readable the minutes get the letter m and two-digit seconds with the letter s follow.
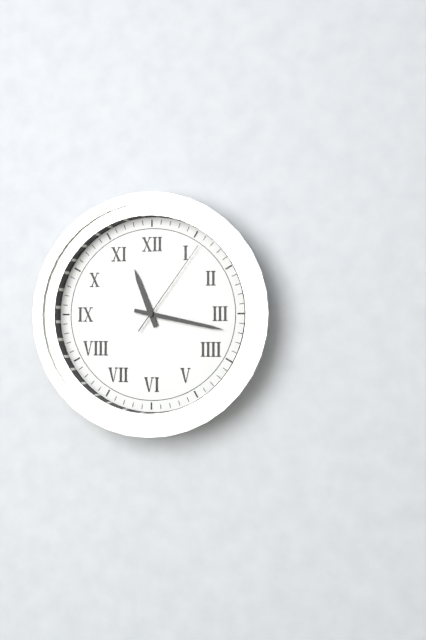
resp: 11h17m06s
